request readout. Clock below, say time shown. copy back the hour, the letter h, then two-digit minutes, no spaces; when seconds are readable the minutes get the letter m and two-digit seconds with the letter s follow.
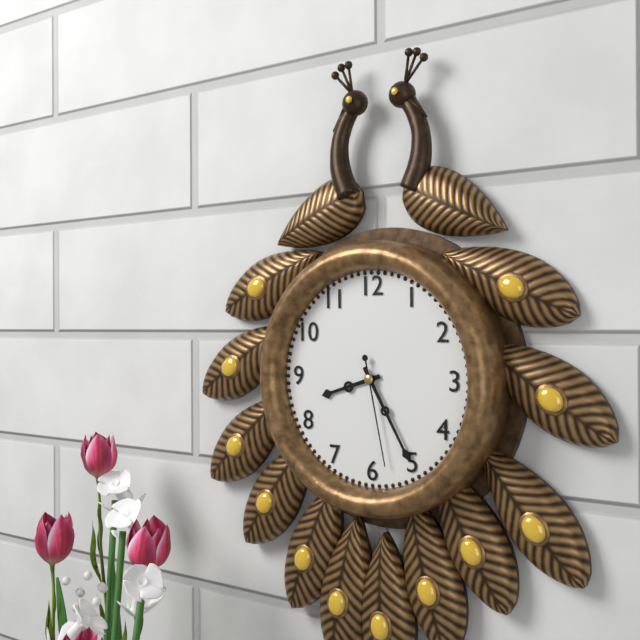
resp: 8h25m28s
